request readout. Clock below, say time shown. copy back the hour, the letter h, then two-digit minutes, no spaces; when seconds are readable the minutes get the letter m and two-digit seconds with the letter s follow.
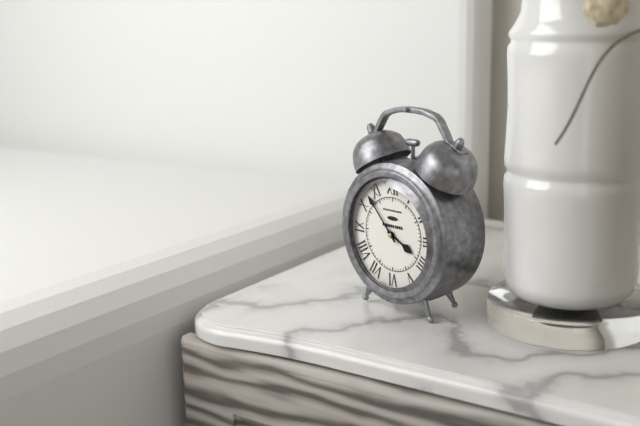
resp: 3h53
